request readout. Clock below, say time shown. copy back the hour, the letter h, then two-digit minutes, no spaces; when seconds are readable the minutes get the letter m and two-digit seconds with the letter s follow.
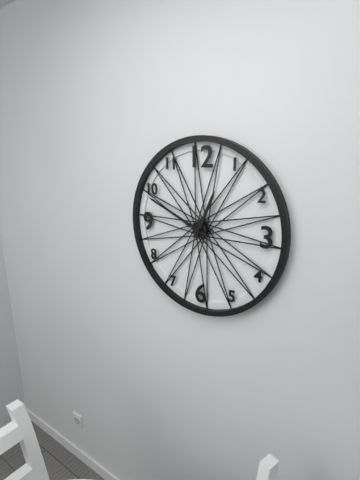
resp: 12h49
